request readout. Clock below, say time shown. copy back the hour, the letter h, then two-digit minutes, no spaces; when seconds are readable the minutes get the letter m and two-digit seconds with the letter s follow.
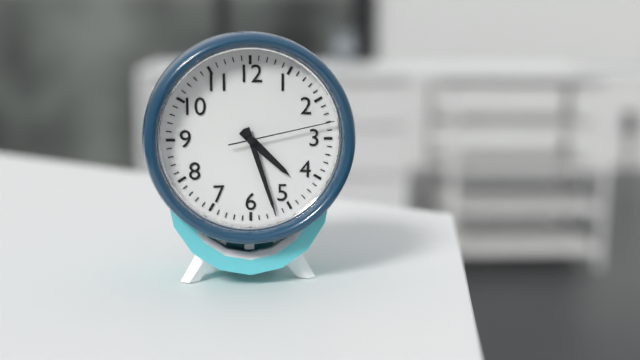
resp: 4h27m13s
